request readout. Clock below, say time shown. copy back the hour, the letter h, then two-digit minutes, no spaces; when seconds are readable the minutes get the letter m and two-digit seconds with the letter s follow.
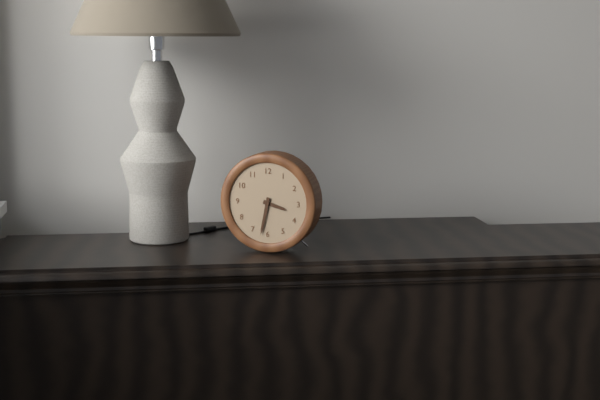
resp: 3h32
